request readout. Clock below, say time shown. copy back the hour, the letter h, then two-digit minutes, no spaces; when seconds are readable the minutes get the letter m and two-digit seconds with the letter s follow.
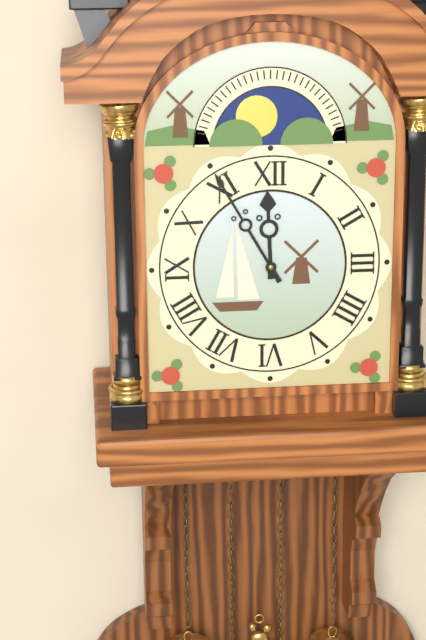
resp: 11h55
